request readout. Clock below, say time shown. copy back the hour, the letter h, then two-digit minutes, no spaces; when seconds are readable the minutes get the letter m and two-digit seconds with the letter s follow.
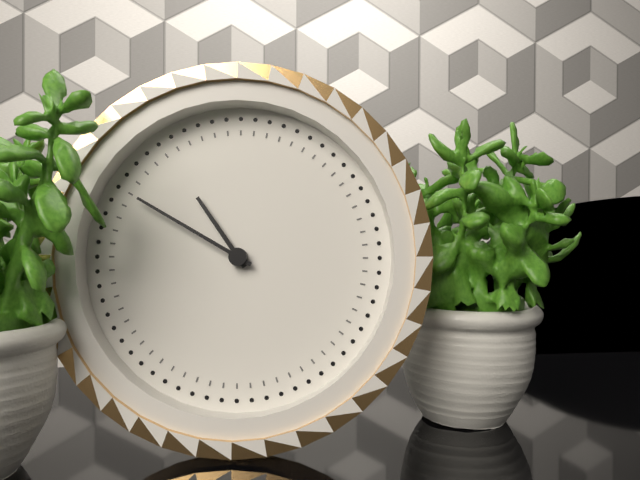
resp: 10h50
